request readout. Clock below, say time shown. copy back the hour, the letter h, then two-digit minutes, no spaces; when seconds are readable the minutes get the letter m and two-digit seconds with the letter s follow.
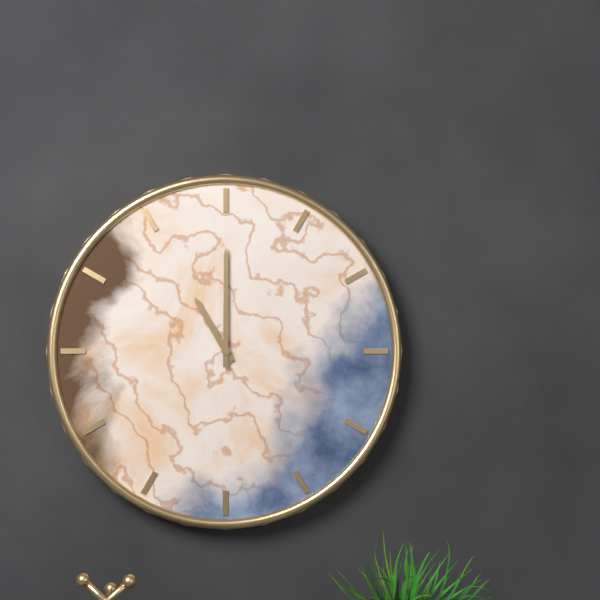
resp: 11h00
